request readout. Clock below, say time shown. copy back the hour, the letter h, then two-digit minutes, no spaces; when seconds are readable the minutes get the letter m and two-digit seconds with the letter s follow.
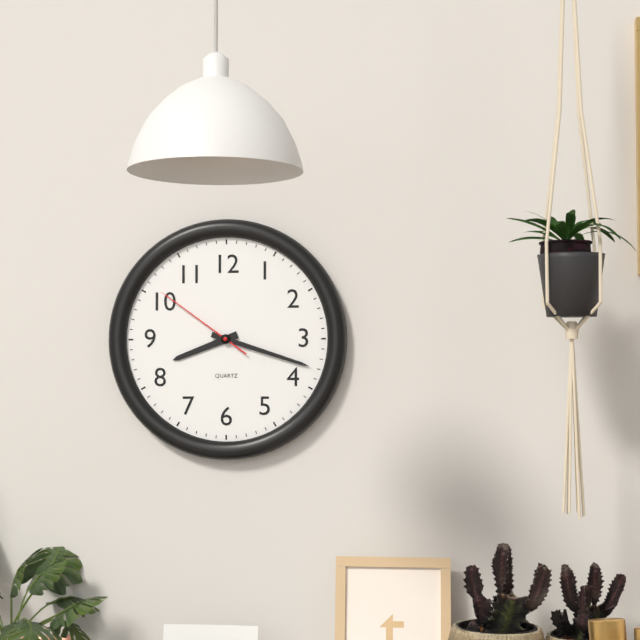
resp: 8h18m51s
